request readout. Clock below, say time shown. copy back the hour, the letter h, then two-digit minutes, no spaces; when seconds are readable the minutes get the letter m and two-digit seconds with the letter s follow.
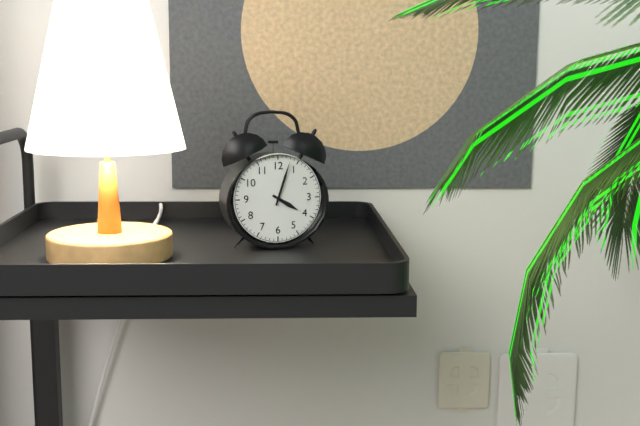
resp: 4h03
